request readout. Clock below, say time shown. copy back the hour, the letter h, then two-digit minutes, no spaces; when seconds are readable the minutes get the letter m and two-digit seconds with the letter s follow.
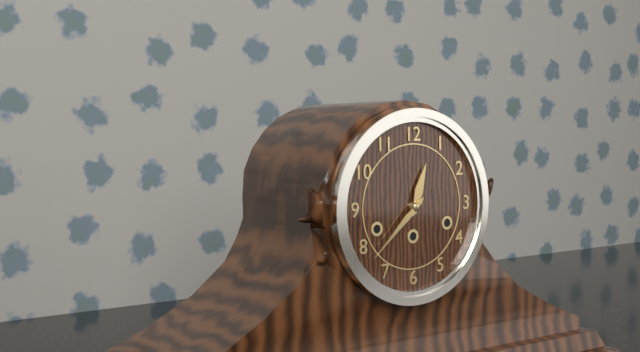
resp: 12h38
